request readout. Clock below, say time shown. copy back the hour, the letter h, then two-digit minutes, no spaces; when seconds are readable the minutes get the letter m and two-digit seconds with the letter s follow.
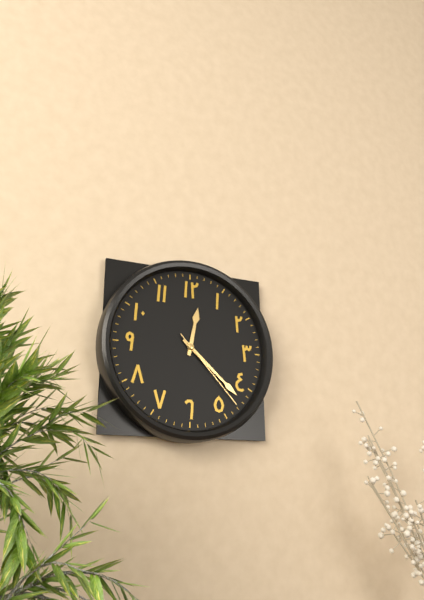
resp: 12h22m23s
